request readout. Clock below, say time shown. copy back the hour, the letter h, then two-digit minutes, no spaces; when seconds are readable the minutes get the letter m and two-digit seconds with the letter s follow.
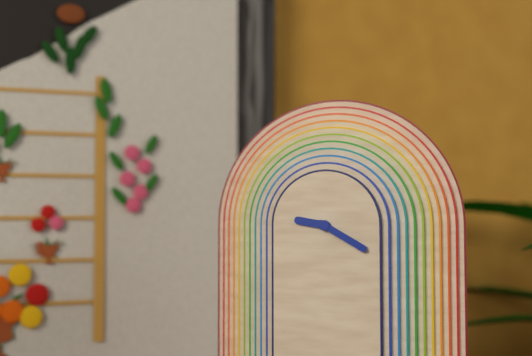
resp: 9h20
